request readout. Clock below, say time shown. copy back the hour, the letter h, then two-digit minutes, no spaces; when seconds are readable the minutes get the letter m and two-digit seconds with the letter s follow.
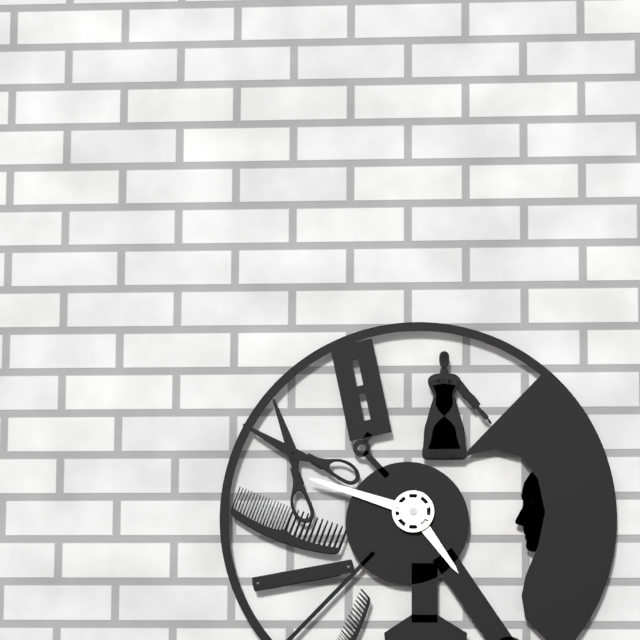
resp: 4h48
